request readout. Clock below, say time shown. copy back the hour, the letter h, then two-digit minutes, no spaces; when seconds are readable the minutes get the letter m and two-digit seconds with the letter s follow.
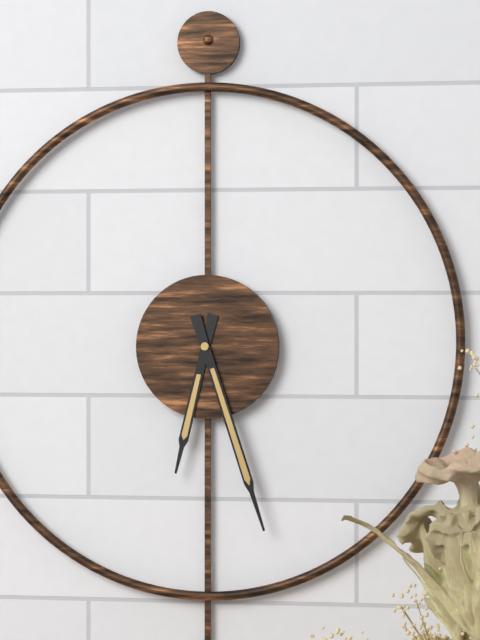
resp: 6h27
